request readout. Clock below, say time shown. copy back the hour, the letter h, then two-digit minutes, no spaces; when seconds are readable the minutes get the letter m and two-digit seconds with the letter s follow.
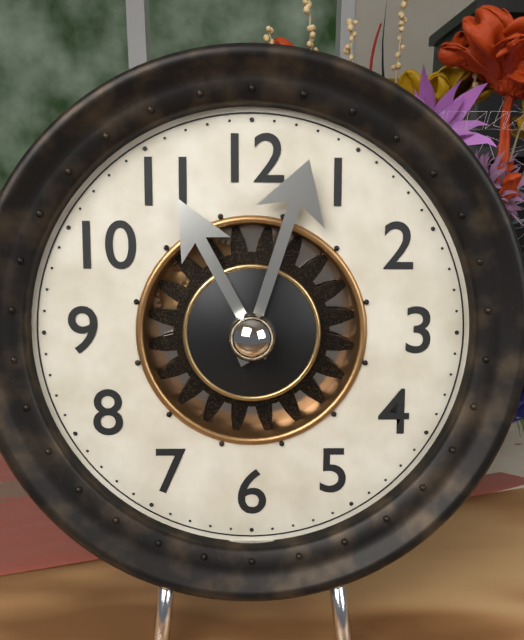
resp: 11h03
